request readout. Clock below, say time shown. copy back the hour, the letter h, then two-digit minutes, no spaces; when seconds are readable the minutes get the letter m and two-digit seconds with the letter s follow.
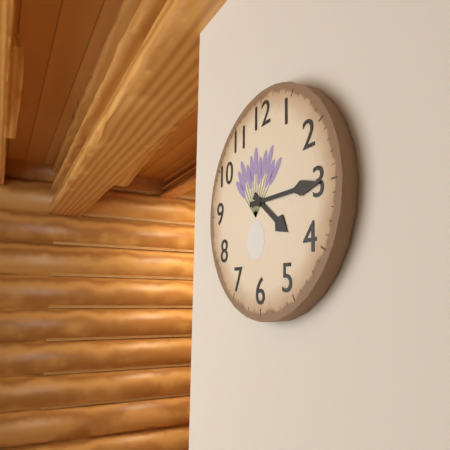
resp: 4h15
